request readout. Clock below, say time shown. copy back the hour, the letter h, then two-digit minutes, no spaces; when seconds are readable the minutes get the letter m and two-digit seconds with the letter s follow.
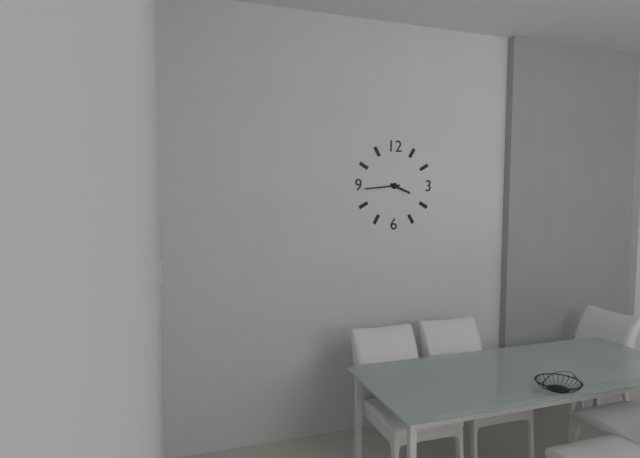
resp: 3h44
